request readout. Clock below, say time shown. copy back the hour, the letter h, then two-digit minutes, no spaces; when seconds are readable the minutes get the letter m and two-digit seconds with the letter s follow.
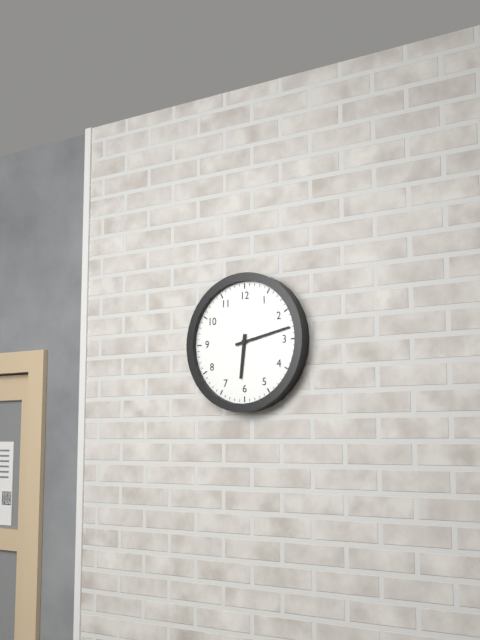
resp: 6h13
